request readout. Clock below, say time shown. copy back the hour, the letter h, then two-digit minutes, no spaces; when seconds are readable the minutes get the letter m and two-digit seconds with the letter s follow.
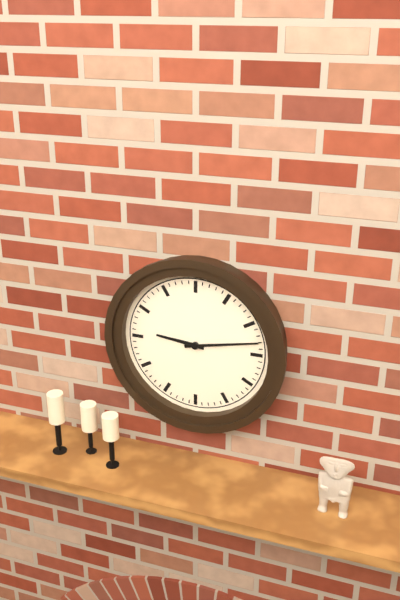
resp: 9h13
